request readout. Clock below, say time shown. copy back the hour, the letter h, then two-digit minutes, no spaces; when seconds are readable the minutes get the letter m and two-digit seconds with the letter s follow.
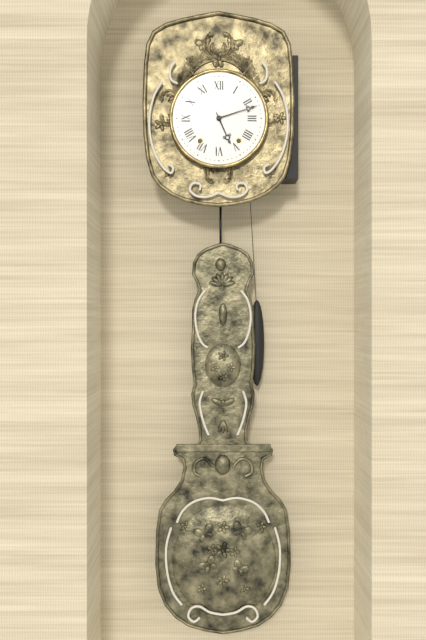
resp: 5h12
